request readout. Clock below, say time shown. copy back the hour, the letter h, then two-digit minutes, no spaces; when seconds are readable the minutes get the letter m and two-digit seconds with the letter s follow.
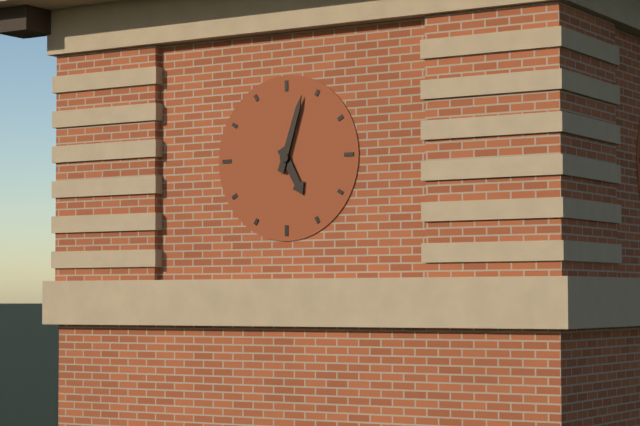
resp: 5h03
